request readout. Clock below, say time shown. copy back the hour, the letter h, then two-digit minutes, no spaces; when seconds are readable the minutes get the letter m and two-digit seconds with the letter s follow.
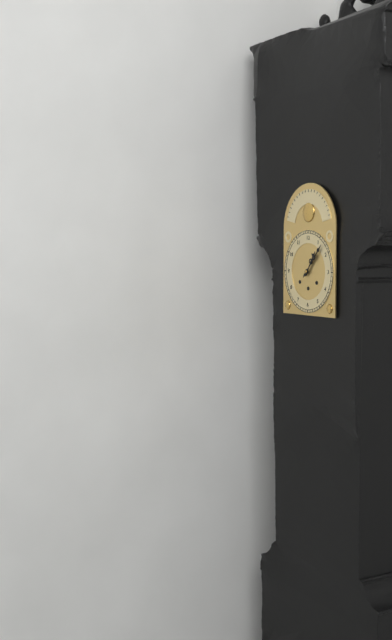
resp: 1h07
